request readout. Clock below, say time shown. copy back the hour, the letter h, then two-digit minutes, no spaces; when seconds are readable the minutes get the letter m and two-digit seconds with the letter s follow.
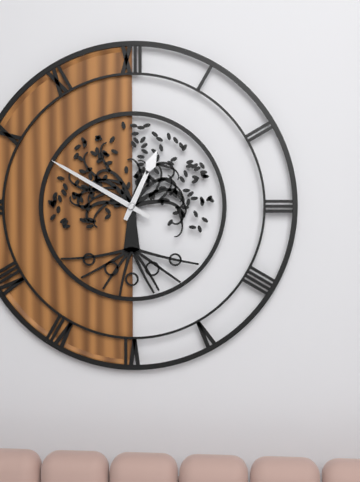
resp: 12h50
